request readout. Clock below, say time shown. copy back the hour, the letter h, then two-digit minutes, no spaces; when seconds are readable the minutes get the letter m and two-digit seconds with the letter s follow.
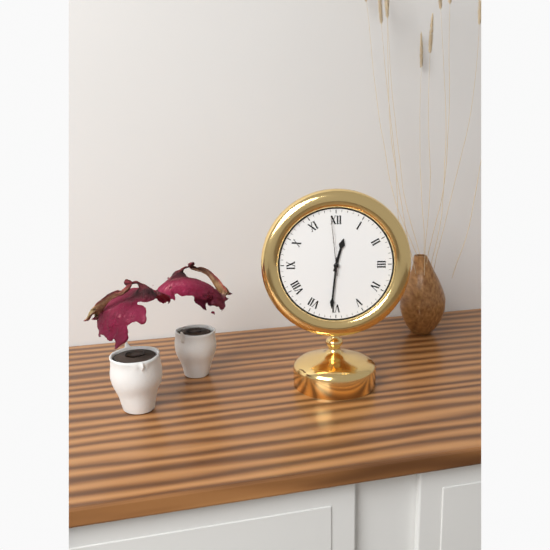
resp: 12h31m59s
